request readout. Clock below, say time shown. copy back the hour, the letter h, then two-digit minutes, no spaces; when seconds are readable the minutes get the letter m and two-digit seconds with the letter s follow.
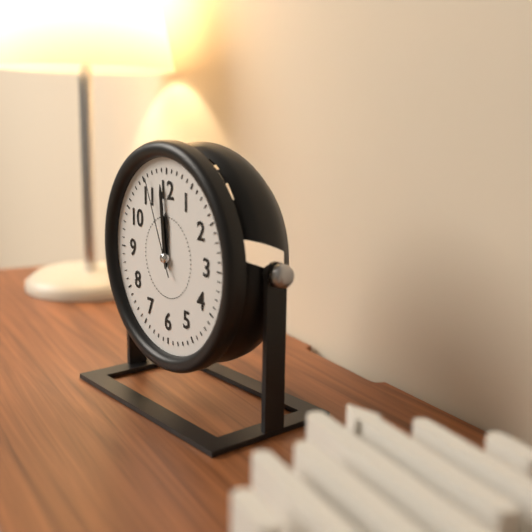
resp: 11h59m56s
